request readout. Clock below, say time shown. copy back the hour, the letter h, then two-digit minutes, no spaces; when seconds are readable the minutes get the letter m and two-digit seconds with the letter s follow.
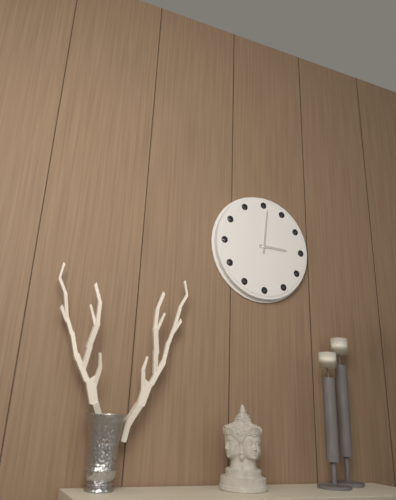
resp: 3h01
